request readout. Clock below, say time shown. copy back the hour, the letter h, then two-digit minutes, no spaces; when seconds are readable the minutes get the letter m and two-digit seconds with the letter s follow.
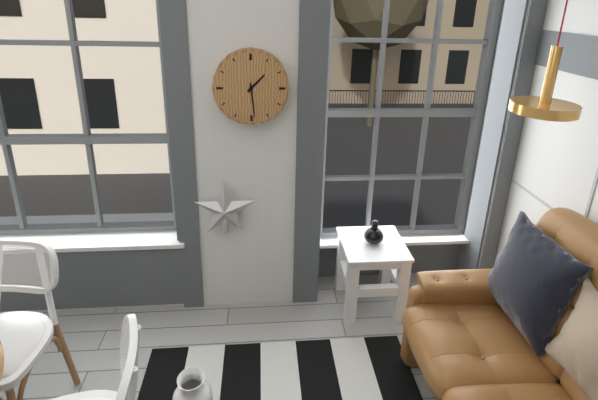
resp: 1h29
